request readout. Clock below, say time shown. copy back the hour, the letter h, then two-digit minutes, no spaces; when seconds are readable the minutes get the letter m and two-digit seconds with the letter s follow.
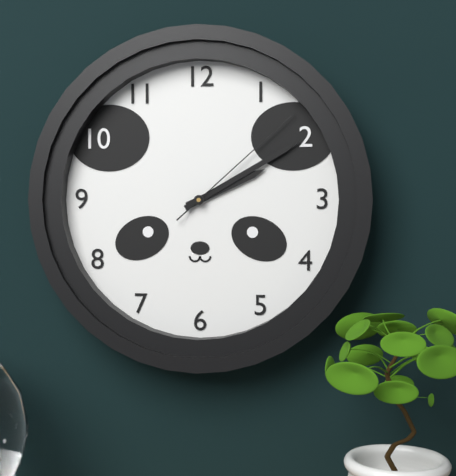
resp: 2h10m08s
